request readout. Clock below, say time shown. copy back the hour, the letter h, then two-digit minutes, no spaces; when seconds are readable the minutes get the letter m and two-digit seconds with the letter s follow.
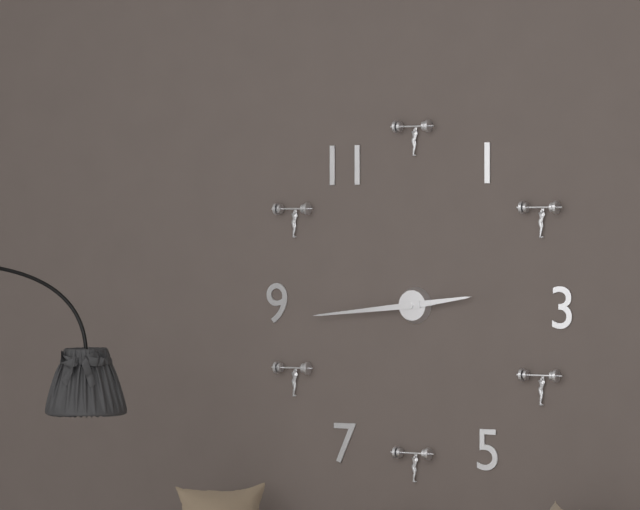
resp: 2h44
